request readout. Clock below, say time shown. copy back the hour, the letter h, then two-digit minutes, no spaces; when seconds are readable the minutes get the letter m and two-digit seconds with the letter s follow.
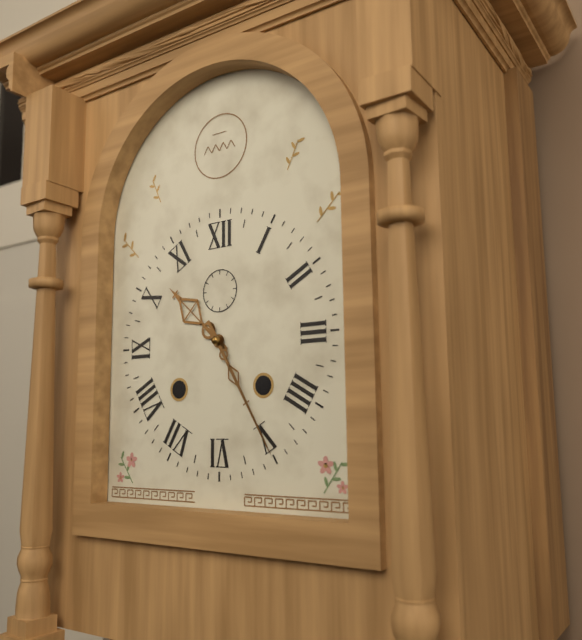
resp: 10h25
